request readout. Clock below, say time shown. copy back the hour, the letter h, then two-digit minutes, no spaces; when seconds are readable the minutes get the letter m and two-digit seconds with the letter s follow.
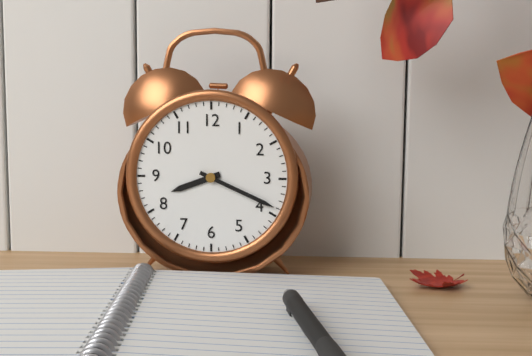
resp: 8h19
